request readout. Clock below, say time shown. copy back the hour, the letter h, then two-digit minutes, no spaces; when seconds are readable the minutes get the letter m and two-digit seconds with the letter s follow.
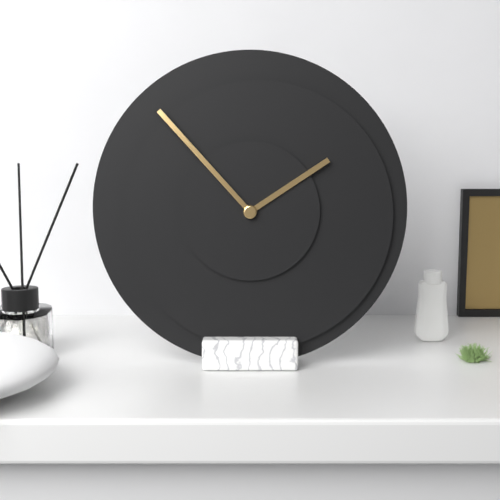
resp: 1h53
